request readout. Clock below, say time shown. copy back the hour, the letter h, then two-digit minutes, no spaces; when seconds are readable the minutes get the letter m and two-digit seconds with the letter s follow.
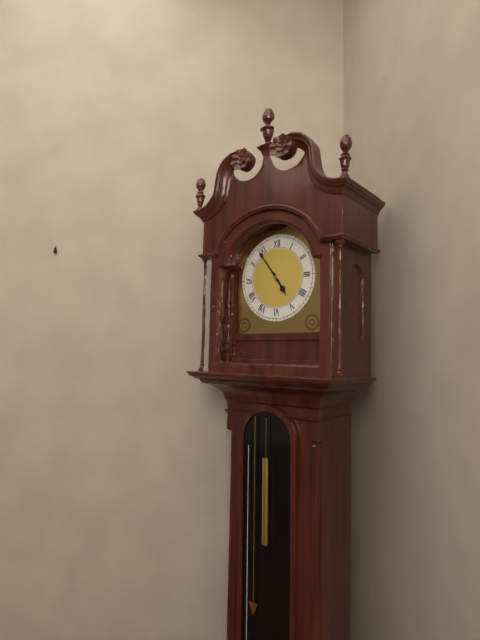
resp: 4h54
